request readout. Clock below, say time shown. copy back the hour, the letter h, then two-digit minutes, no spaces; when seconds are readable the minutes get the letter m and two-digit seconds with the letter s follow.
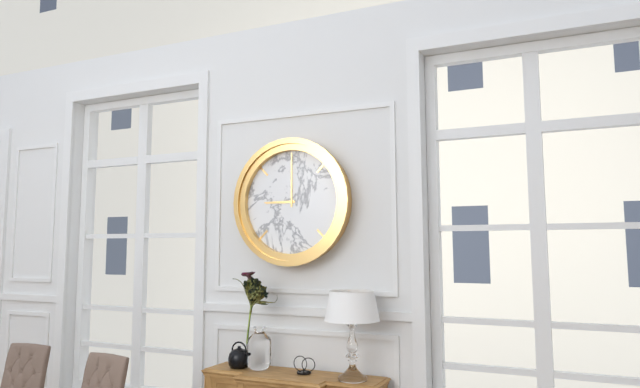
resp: 9h00
